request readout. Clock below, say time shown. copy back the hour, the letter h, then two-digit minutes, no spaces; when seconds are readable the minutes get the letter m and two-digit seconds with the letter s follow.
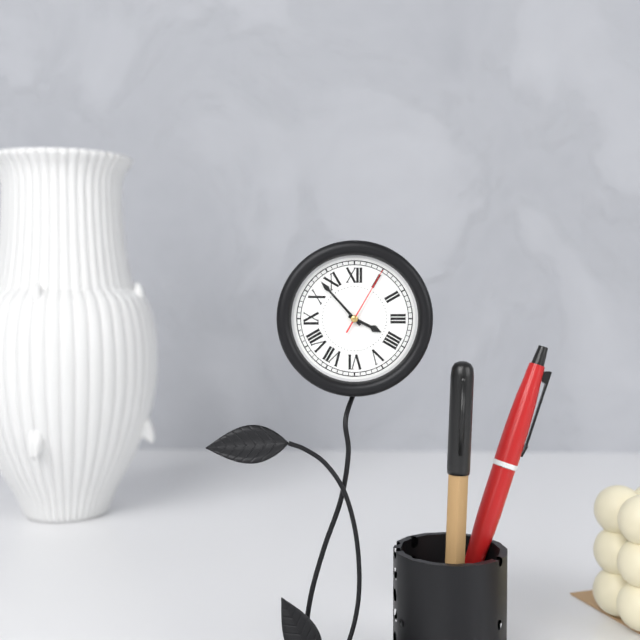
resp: 3h53m05s
